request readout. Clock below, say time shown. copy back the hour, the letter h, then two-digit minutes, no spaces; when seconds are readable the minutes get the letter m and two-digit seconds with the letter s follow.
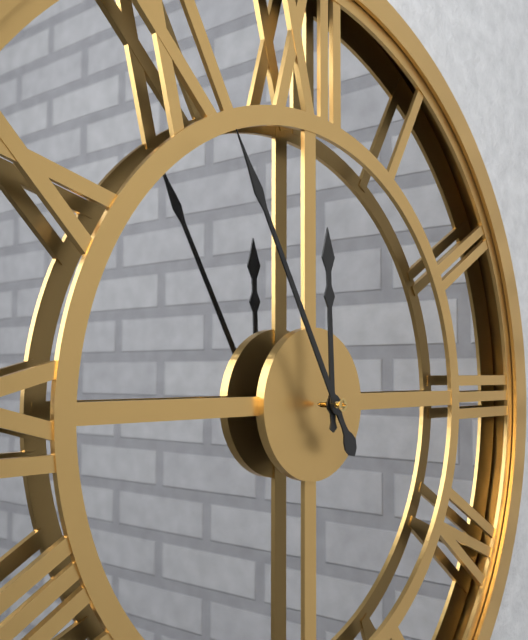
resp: 11h55
